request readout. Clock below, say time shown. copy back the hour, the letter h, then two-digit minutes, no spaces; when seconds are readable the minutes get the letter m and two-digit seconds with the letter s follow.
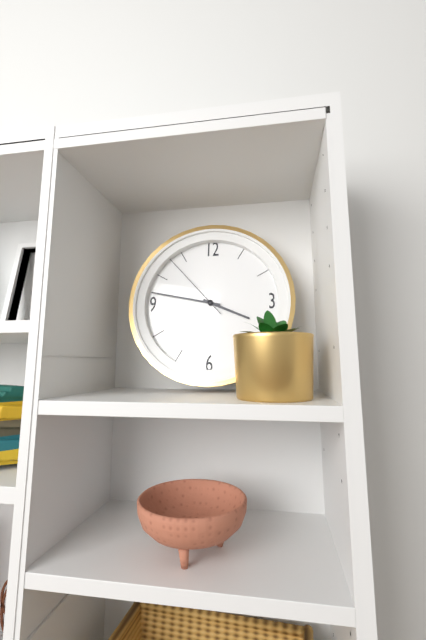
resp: 3h47m53s
